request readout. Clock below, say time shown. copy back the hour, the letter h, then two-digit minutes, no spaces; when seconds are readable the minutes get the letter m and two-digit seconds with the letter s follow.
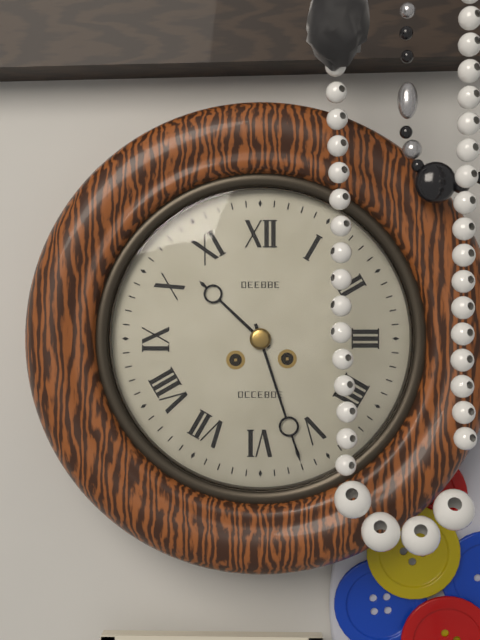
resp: 10h27
